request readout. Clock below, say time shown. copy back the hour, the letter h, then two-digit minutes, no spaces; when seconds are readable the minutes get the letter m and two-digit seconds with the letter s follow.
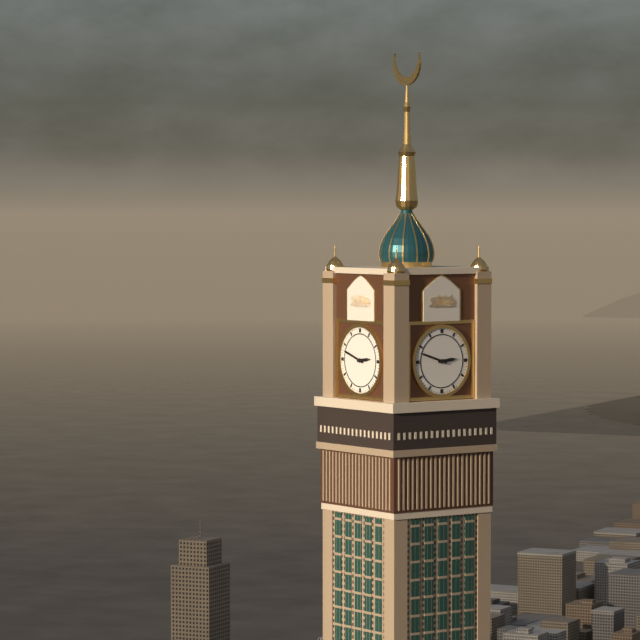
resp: 2h48
